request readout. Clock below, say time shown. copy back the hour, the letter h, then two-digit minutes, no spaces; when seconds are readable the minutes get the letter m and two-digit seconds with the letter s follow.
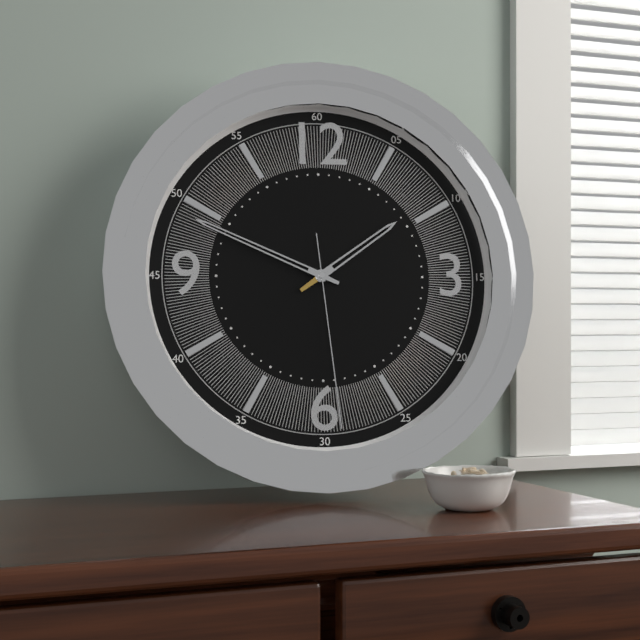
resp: 1h49m29s
